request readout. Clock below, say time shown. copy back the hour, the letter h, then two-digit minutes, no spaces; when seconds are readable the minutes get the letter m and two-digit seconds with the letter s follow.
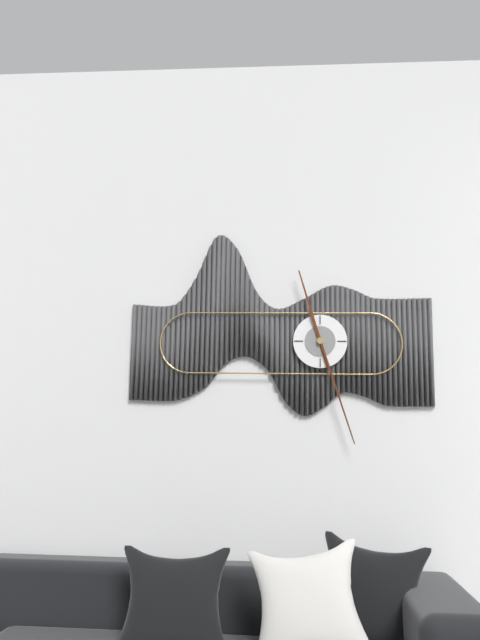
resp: 11h27
